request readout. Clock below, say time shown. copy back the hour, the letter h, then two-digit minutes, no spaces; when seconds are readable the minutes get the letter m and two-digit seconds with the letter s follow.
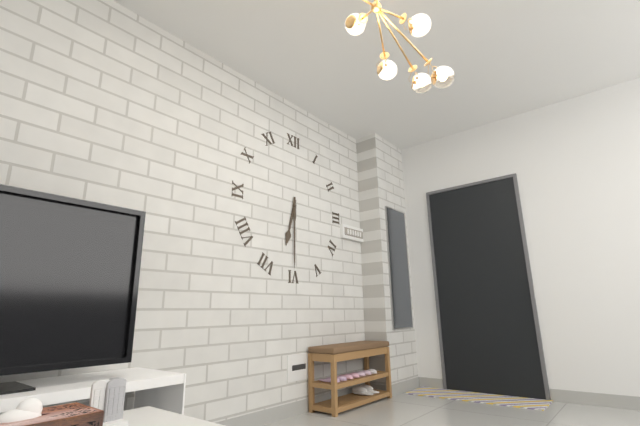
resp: 6h30
